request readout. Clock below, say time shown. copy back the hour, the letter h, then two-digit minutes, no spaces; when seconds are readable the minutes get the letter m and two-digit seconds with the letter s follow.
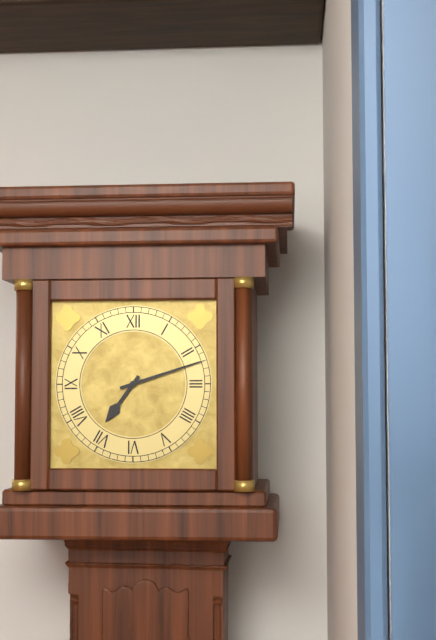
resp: 7h12
